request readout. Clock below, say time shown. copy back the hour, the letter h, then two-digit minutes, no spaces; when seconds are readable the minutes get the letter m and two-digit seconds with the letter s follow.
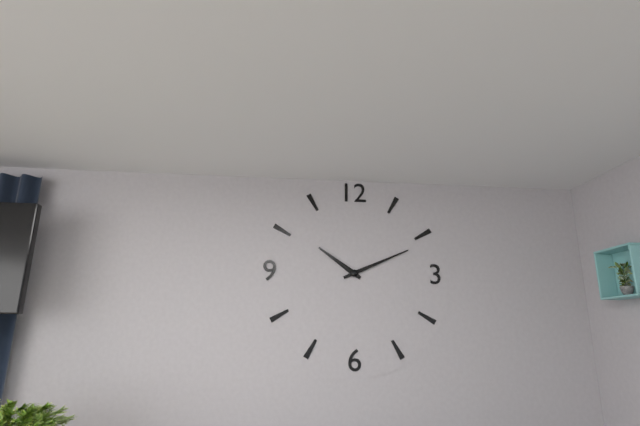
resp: 10h11
